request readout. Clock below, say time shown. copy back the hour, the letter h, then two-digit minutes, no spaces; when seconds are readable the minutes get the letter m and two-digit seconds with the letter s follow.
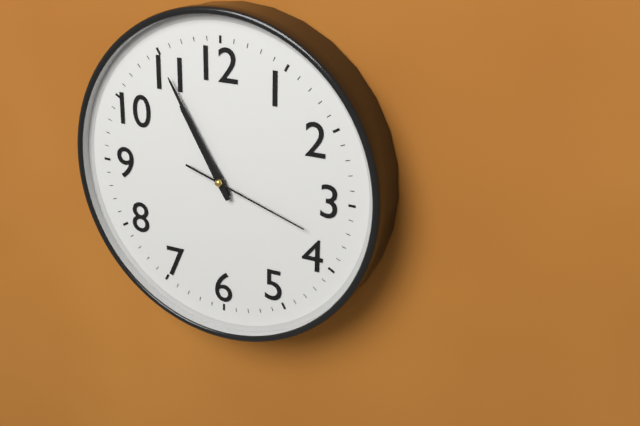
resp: 10h55m18s
